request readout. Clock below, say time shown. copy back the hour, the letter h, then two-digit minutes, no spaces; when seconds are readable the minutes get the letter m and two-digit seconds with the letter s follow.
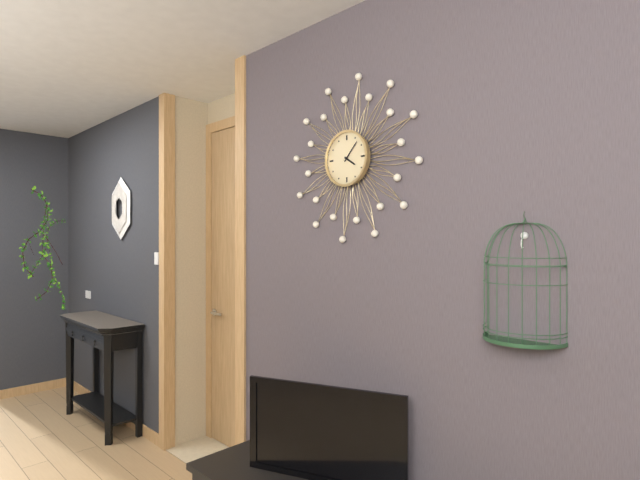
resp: 4h07
